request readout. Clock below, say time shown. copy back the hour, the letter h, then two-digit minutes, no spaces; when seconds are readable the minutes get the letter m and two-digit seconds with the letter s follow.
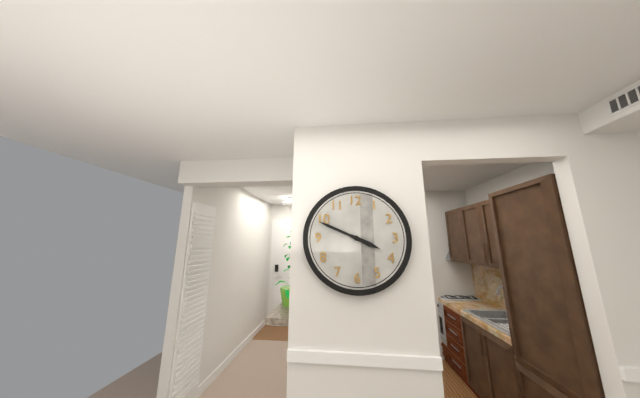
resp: 3h49
